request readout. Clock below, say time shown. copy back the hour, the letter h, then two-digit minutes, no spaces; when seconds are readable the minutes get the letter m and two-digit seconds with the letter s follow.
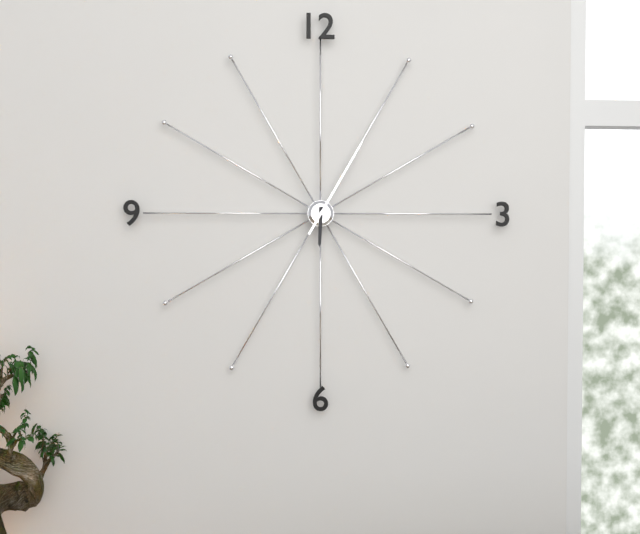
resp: 6h05
